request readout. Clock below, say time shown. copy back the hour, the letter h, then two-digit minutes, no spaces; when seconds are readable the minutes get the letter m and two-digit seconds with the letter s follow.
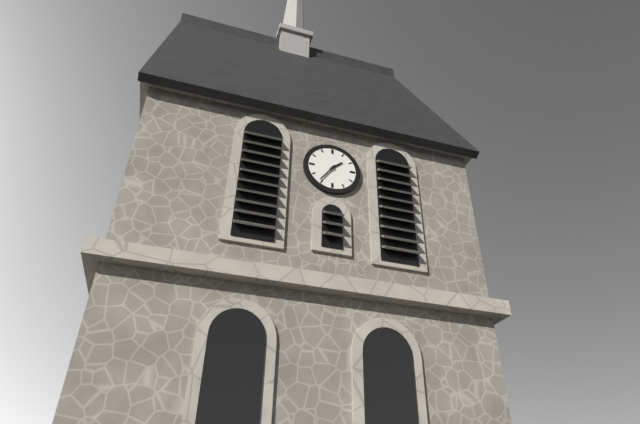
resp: 1h36
